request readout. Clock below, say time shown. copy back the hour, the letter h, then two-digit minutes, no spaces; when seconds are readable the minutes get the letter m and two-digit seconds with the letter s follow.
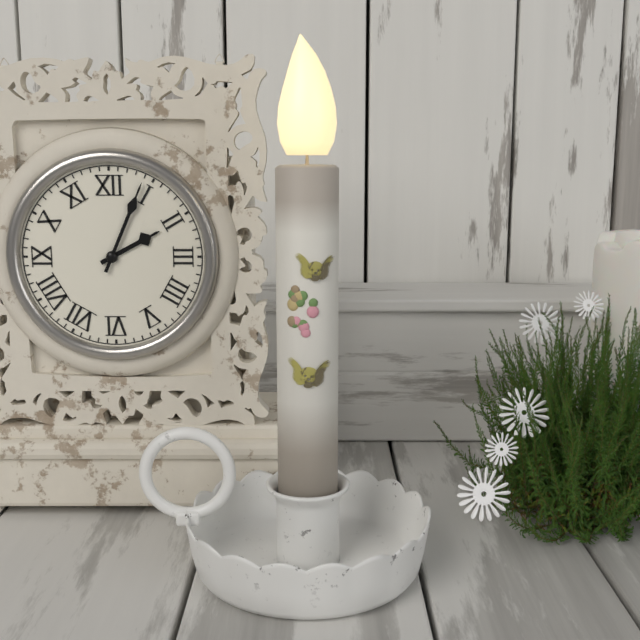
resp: 2h04
